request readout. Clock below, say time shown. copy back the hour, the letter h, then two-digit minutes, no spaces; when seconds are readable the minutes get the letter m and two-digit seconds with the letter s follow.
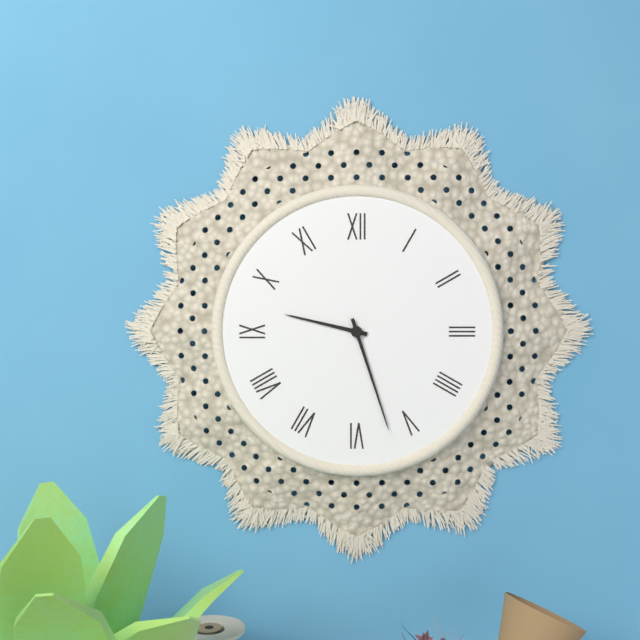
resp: 9h27
